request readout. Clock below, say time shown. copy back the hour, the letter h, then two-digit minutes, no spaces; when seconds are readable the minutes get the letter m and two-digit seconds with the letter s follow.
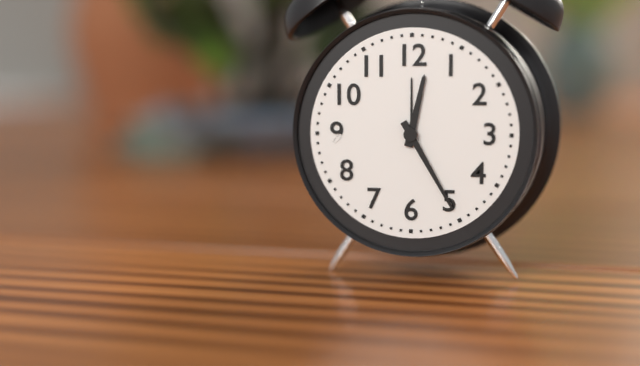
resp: 12h25
